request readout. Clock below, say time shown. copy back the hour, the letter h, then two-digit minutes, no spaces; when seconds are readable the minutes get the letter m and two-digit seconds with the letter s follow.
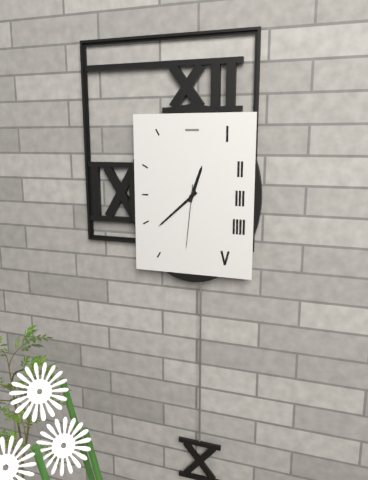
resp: 12h38m31s
